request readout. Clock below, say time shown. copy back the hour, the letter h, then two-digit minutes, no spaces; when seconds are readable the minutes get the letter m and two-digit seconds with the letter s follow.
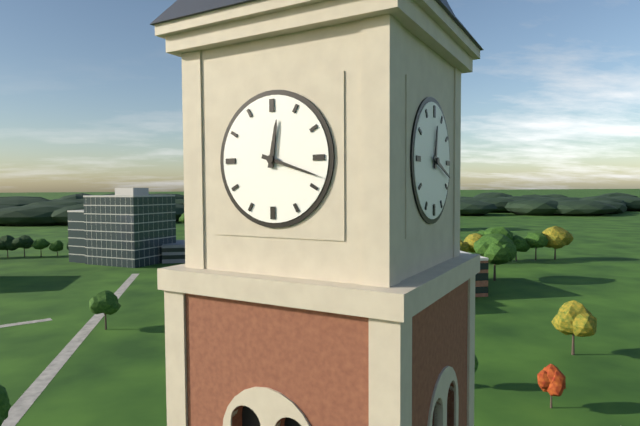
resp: 12h18
